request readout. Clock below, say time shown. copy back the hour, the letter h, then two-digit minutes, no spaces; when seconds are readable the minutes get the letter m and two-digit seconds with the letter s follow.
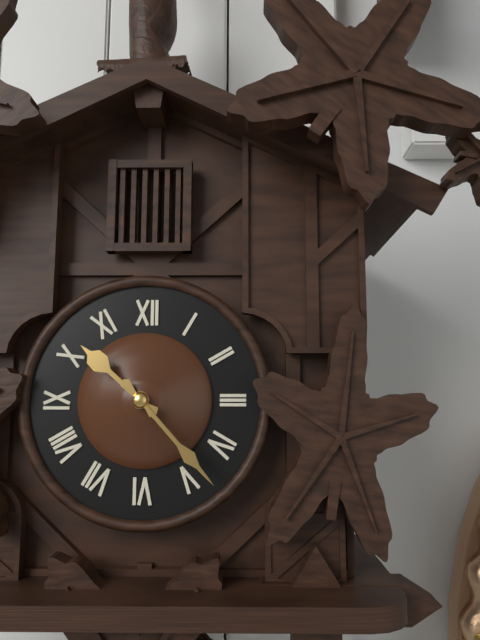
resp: 10h23
